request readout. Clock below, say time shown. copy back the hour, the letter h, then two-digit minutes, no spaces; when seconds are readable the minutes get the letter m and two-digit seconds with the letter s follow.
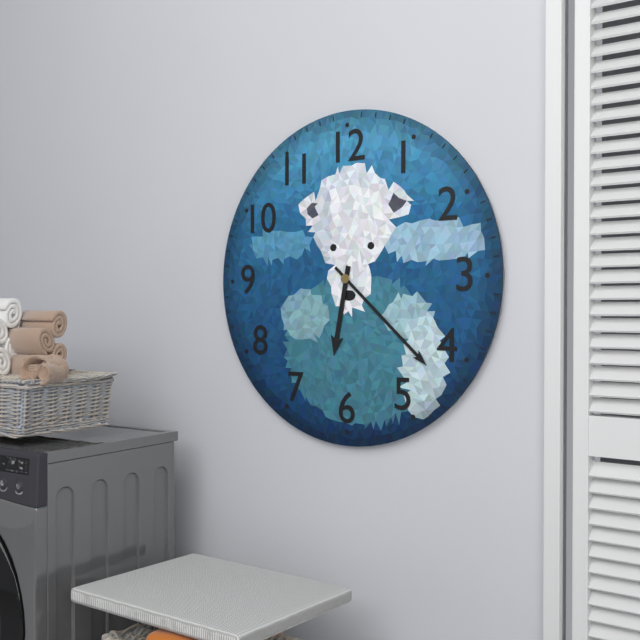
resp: 6h22
